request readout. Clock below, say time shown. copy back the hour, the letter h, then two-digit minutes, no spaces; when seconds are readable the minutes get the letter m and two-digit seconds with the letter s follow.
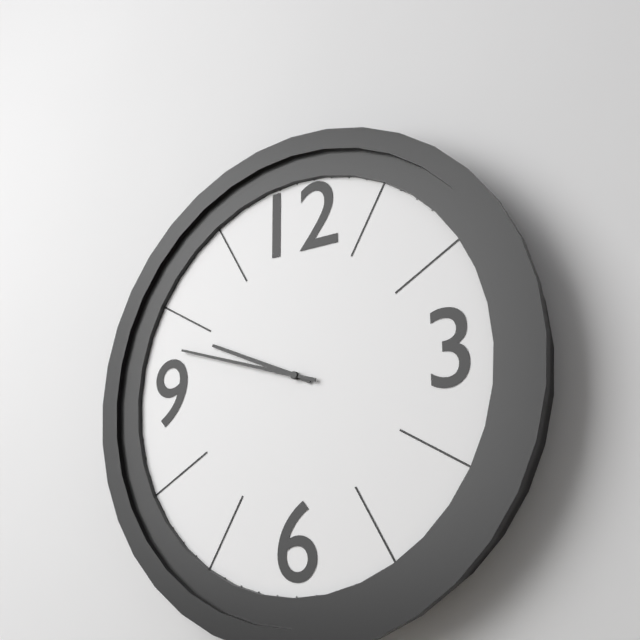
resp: 9h48
